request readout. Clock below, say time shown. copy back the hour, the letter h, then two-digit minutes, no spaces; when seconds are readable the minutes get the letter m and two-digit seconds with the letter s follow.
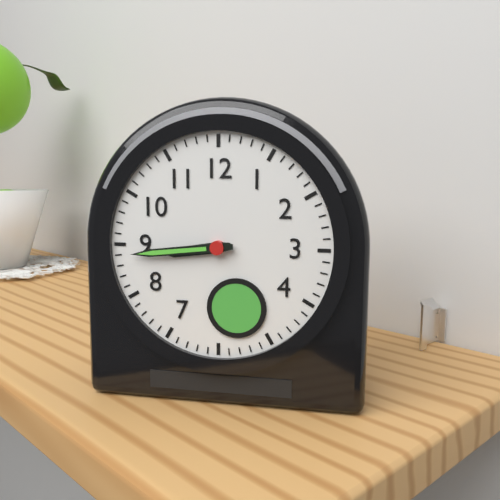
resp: 8h44
